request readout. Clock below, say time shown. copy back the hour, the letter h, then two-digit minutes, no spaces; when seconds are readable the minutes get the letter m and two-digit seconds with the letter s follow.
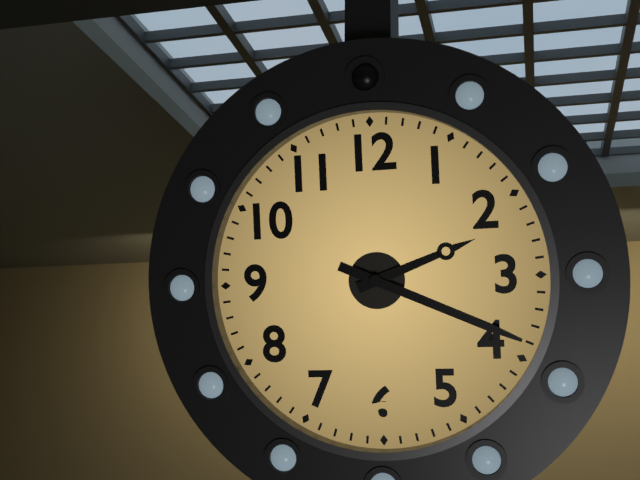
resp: 2h19
